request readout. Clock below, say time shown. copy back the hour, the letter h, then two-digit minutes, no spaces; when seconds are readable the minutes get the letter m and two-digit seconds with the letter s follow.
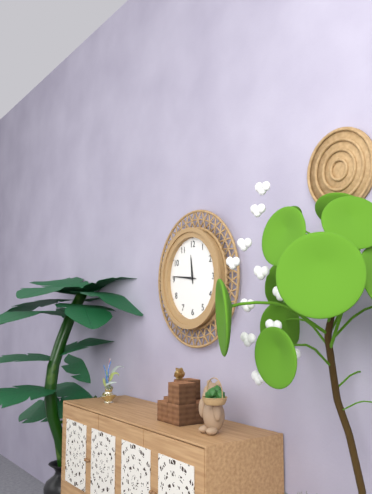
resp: 11h46
